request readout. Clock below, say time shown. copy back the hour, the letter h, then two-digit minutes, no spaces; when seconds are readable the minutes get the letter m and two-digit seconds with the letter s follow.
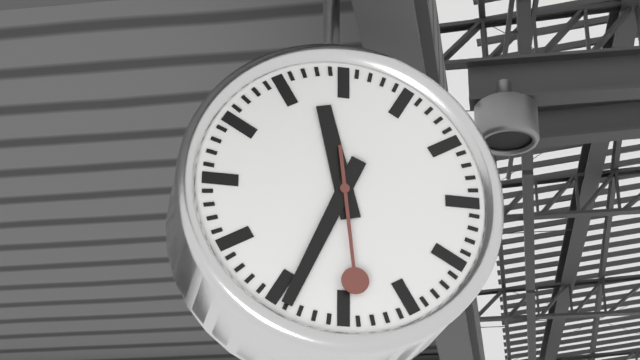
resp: 11h34m29s
